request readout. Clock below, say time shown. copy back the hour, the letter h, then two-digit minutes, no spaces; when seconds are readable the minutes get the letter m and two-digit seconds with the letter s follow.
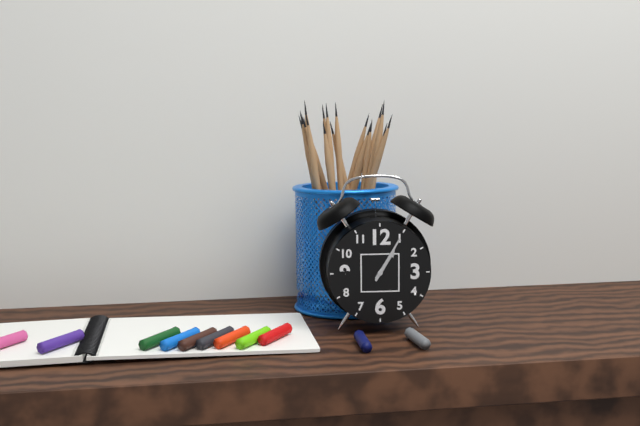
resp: 1h05
